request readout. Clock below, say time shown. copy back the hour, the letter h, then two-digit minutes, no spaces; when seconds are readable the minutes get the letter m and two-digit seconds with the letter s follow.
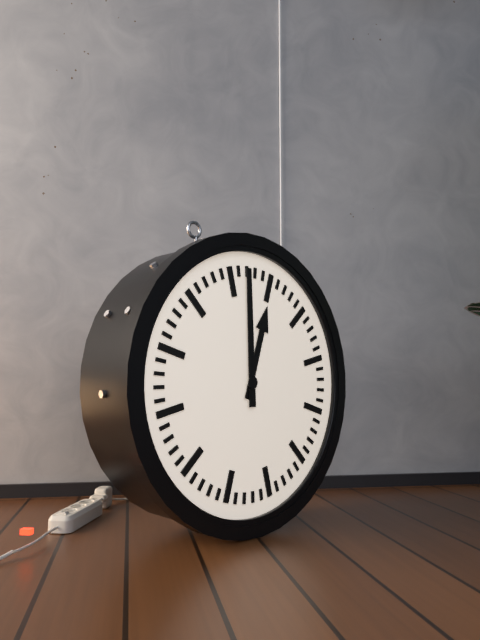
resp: 1h02
